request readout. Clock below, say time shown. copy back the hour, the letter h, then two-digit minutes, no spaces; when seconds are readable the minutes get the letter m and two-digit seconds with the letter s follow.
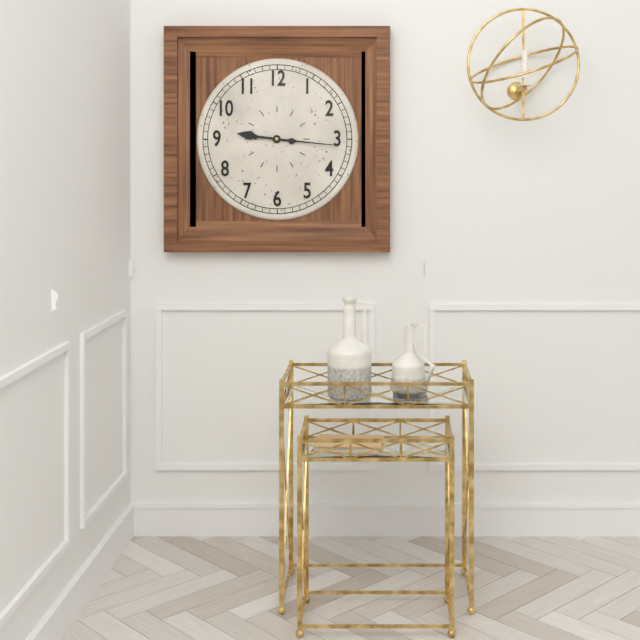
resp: 9h16
